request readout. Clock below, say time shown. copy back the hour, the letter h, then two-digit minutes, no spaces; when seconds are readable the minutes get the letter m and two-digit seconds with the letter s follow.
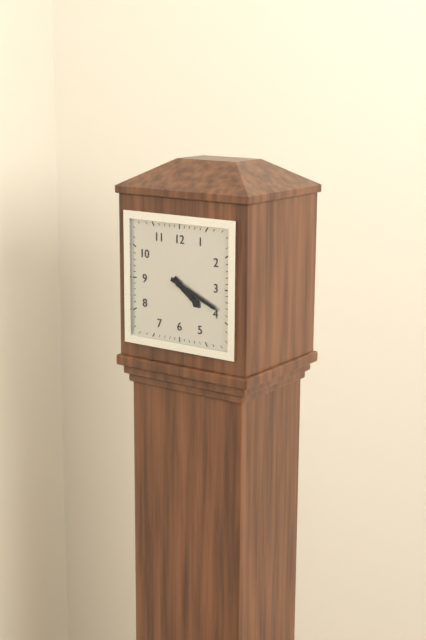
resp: 4h19
